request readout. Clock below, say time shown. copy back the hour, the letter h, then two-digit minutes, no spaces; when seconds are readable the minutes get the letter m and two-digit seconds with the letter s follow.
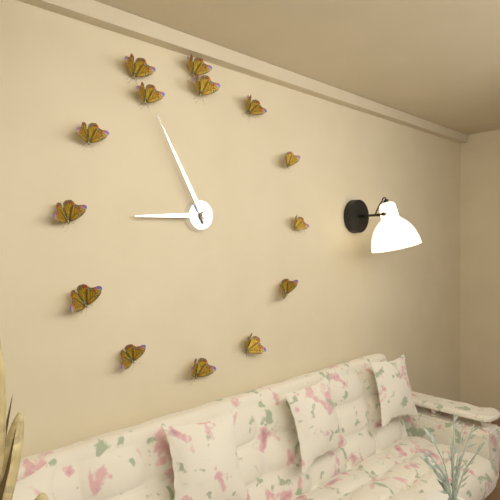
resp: 8h55
